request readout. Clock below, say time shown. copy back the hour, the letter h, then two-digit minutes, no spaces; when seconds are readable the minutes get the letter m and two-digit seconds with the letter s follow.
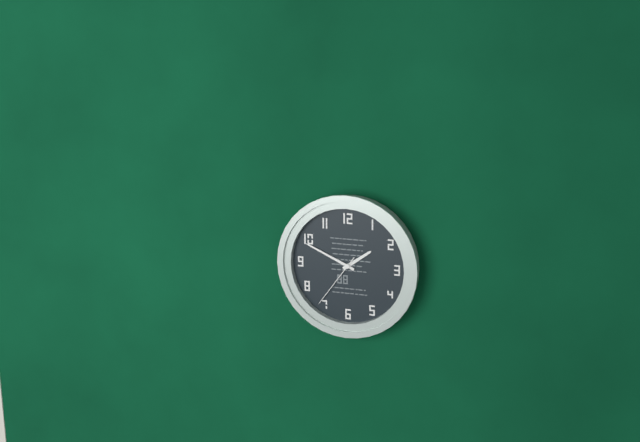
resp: 1h49m36s
